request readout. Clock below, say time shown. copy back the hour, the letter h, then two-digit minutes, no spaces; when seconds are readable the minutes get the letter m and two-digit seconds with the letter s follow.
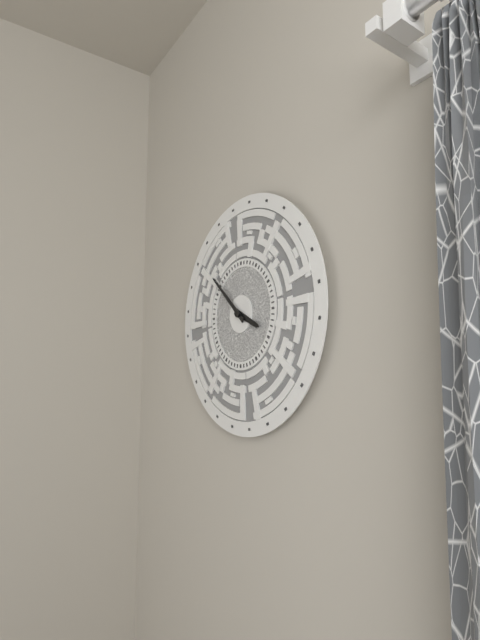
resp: 3h52
